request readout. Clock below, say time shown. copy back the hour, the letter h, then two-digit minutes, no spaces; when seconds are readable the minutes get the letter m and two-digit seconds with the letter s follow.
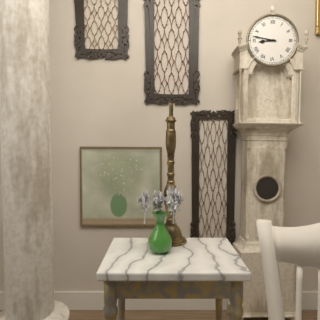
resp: 8h47
